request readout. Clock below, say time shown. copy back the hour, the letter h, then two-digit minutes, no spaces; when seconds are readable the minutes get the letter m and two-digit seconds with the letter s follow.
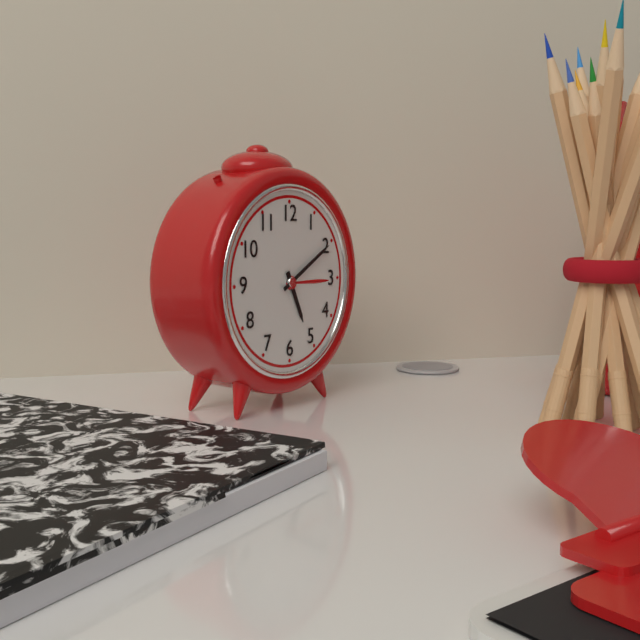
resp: 5h10
